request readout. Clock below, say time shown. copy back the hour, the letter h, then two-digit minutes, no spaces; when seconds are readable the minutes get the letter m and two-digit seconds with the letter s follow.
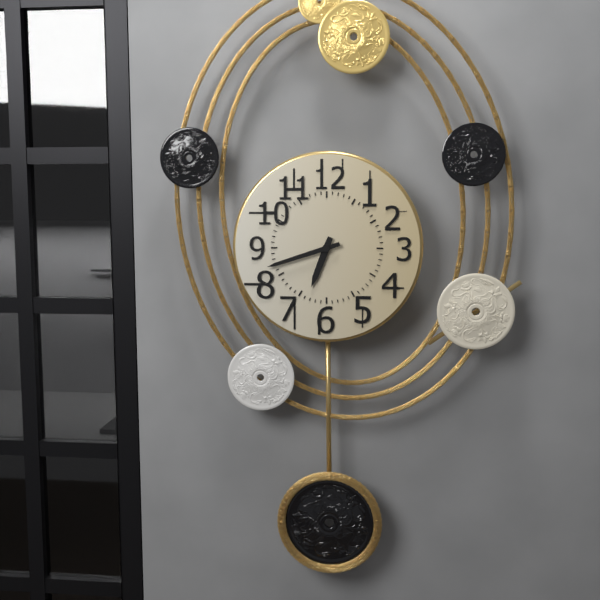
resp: 6h42
